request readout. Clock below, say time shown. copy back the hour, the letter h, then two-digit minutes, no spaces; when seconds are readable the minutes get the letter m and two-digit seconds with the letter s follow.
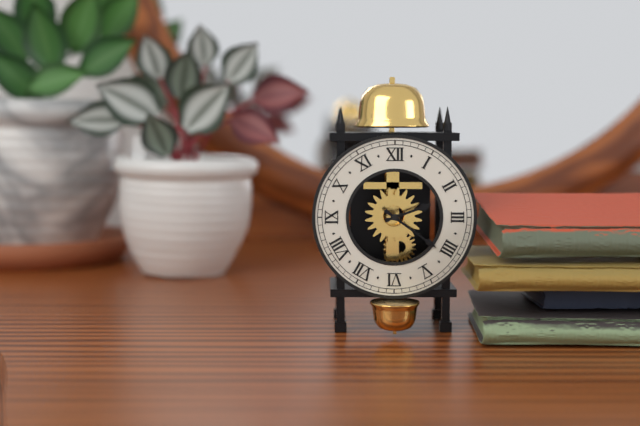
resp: 2h21
